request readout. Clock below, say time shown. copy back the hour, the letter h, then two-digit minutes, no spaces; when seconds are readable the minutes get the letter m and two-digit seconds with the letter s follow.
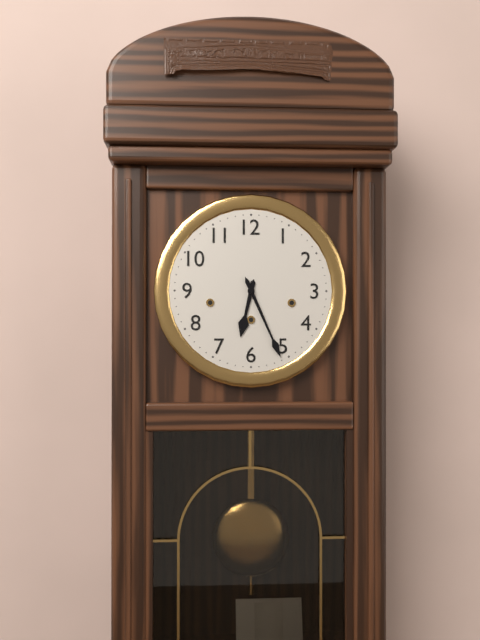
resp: 6h26
